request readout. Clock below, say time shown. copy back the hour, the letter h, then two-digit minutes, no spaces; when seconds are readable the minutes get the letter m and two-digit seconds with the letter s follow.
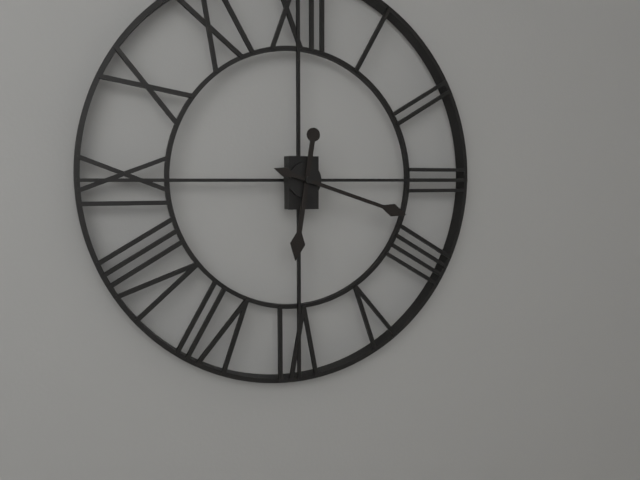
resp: 6h18
